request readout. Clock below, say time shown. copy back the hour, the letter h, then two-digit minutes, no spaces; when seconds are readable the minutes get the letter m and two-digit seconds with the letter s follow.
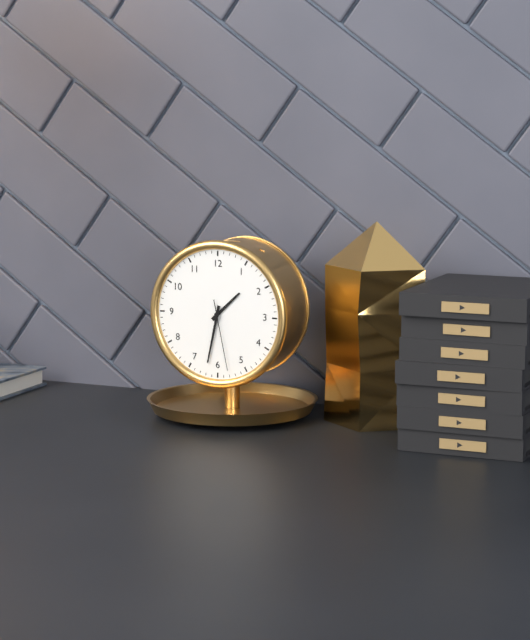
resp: 1h32m28s
